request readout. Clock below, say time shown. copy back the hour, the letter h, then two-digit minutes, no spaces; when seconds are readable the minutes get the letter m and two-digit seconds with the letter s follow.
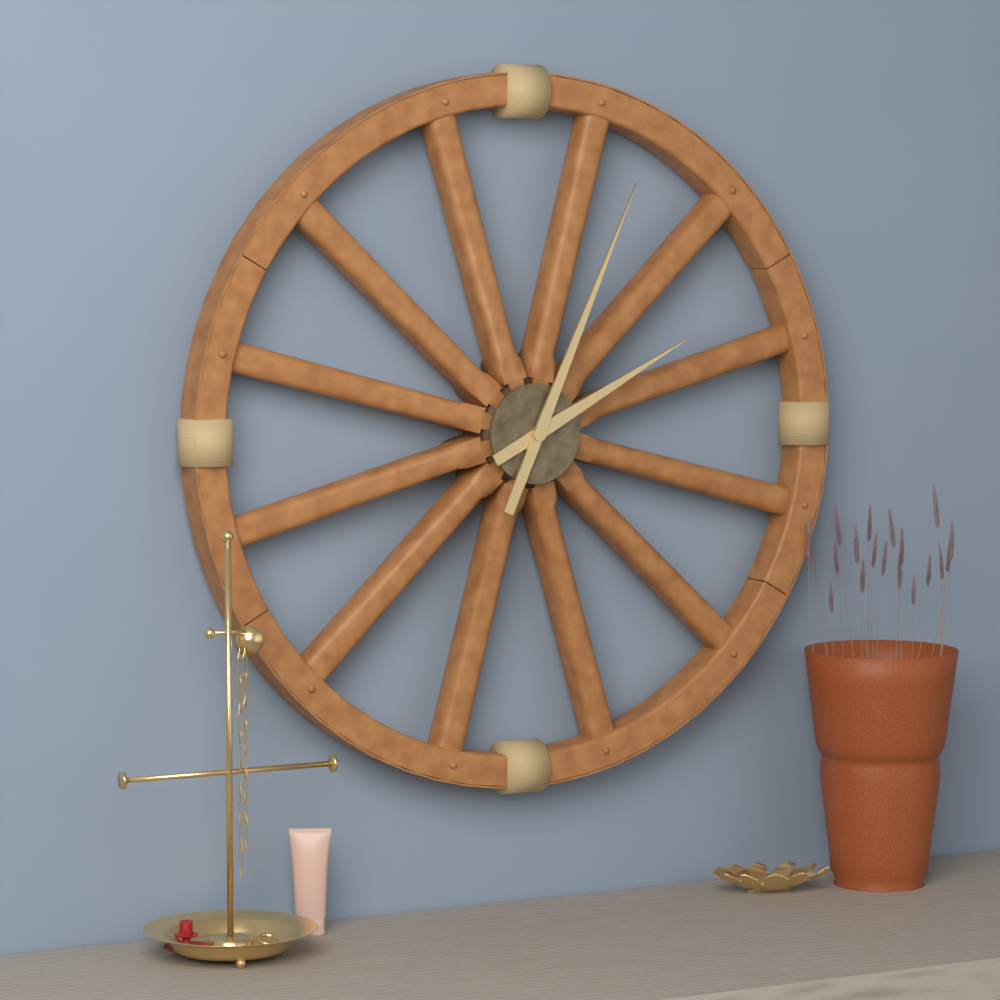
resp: 2h04
